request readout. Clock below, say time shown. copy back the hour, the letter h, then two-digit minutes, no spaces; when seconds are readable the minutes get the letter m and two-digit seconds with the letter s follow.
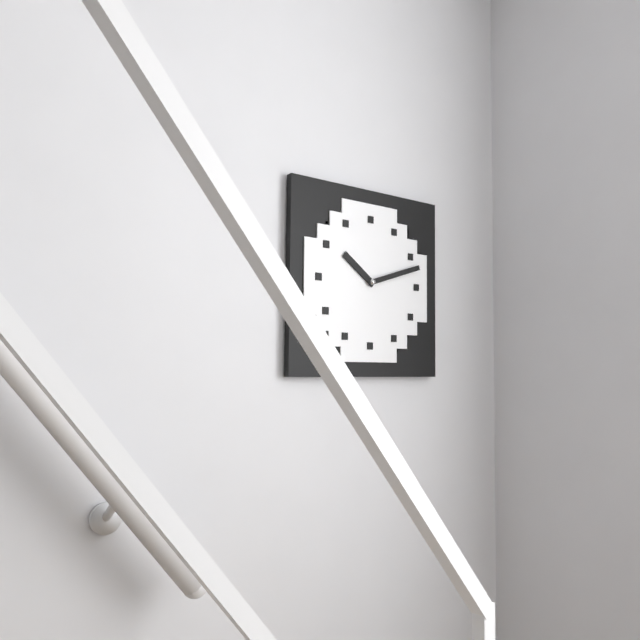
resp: 10h12
